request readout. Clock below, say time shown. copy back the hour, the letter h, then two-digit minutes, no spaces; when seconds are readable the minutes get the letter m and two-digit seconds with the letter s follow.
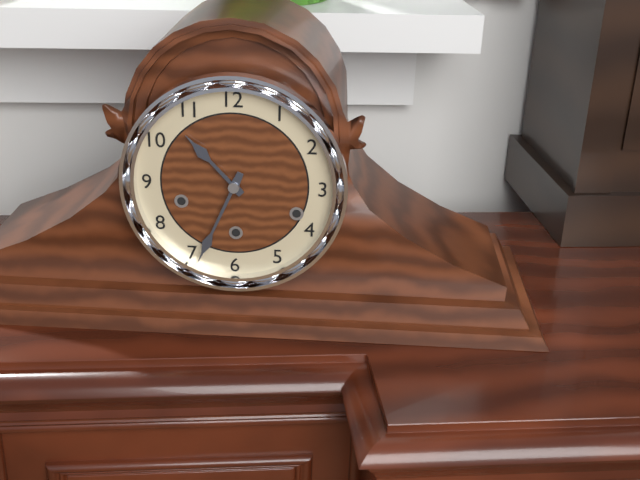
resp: 10h34
